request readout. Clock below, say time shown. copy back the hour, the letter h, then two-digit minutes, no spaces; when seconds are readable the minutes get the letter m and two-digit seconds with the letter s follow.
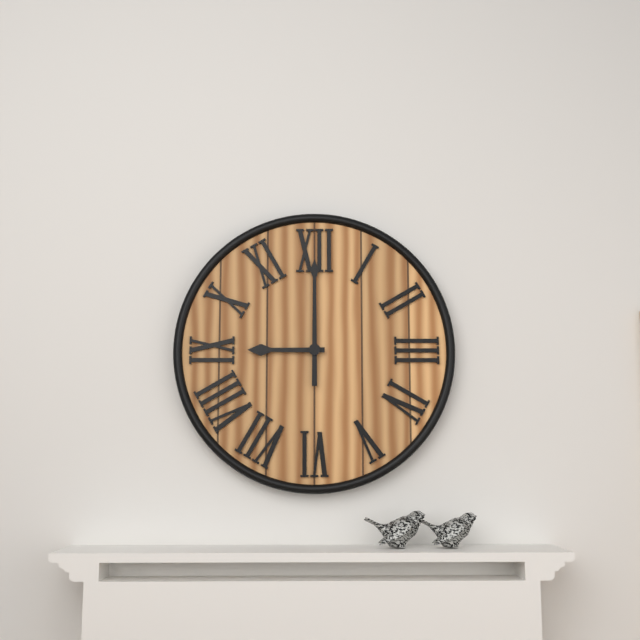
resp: 9h00
